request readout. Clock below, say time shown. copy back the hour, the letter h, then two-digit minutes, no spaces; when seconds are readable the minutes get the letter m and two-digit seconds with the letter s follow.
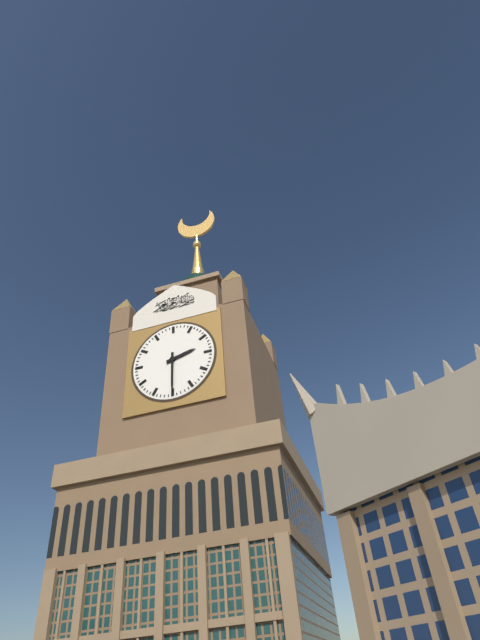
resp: 2h30
